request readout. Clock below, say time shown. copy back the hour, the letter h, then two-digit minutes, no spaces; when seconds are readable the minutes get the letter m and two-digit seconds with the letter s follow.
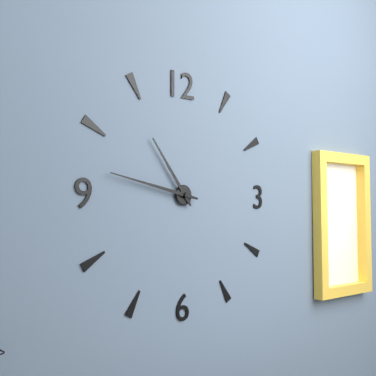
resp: 10h47
